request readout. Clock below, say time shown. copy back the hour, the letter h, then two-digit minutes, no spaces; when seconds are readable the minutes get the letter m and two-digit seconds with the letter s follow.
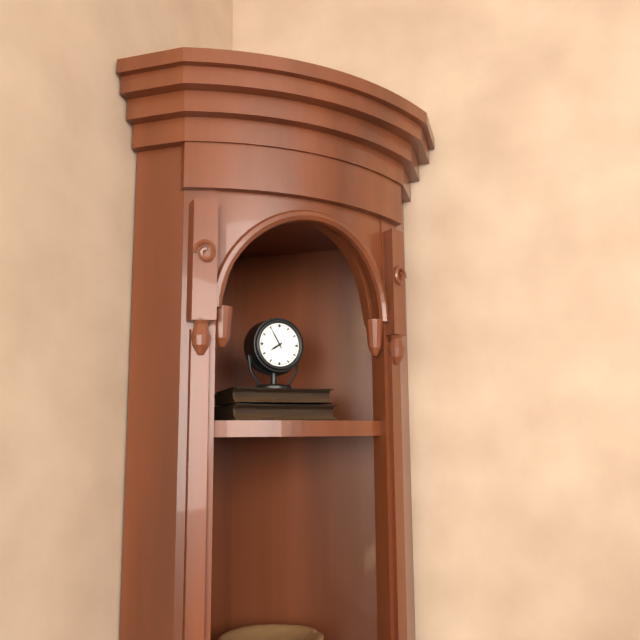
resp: 7h55
